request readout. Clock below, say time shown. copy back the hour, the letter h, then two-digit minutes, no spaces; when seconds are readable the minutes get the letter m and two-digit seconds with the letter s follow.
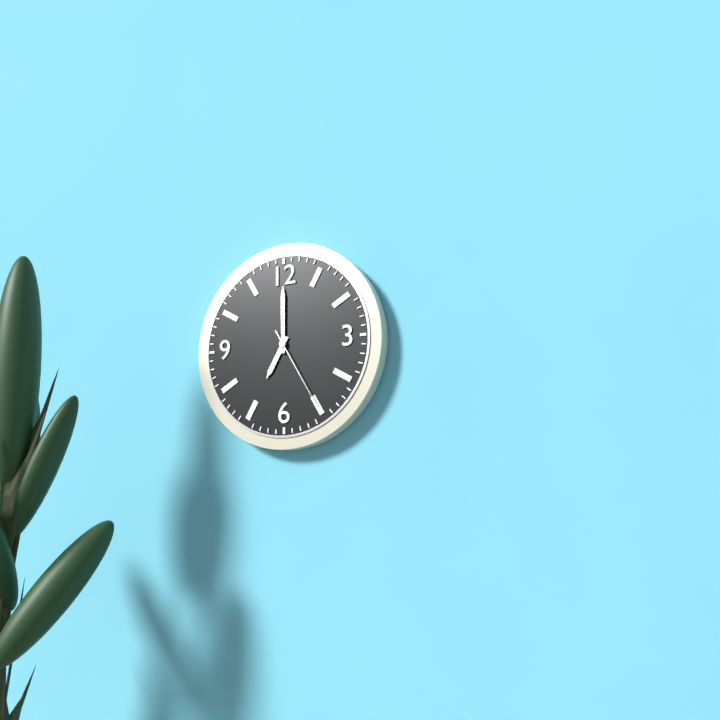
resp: 7h00m25s
